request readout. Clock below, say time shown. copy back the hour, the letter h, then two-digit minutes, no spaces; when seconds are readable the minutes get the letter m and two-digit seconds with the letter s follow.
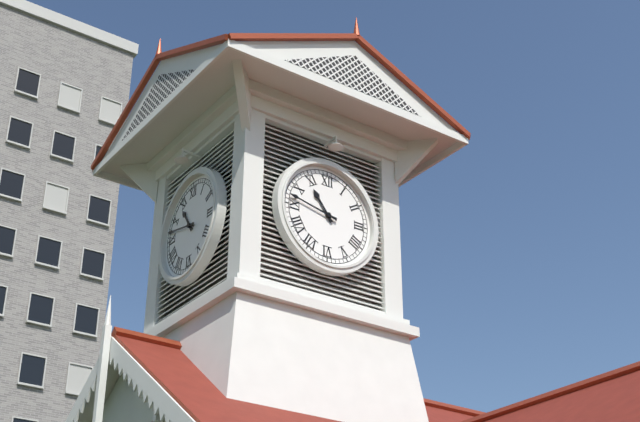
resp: 10h47
